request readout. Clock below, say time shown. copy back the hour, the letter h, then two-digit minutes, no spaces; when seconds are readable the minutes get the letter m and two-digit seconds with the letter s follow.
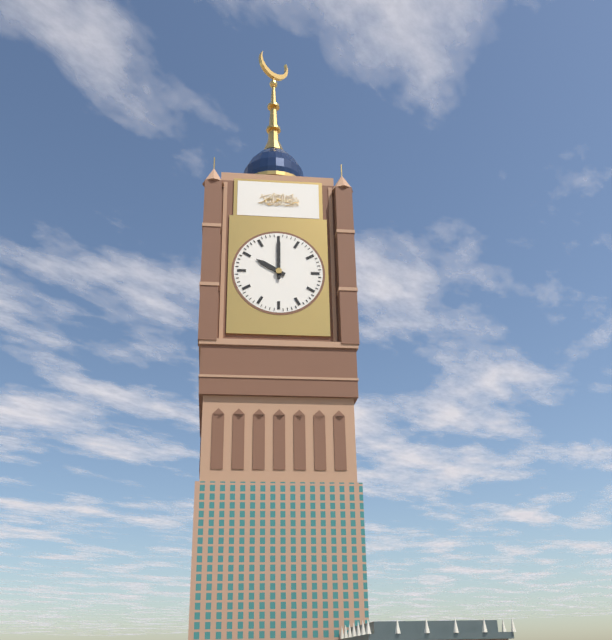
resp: 10h00
